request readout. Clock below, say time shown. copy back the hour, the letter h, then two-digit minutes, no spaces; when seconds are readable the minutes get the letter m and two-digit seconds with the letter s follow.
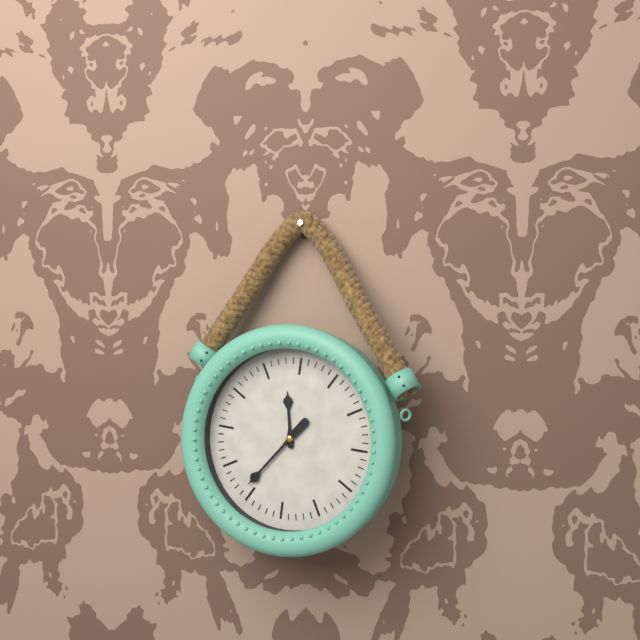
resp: 11h36
